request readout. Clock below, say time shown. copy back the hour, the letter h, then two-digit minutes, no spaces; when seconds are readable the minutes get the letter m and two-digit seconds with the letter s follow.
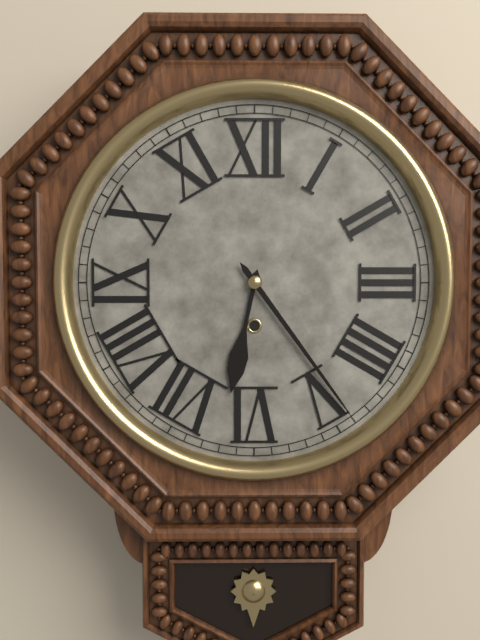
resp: 6h24
